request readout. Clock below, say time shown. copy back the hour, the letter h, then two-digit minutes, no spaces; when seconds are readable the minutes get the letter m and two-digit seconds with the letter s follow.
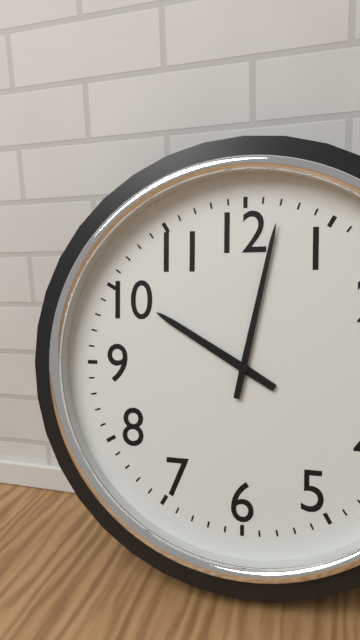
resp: 10h02
